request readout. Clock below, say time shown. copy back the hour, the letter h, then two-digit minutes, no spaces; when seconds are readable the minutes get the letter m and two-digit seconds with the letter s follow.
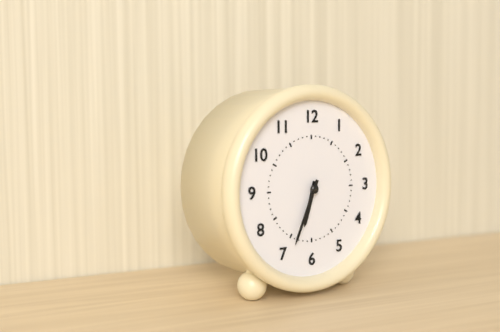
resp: 6h34
